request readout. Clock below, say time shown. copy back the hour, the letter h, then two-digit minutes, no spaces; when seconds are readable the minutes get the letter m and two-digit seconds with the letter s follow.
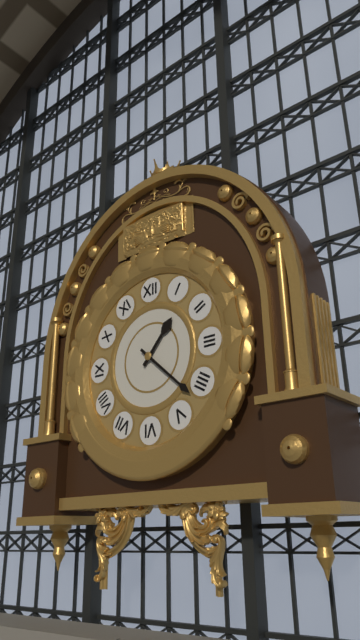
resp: 1h22
